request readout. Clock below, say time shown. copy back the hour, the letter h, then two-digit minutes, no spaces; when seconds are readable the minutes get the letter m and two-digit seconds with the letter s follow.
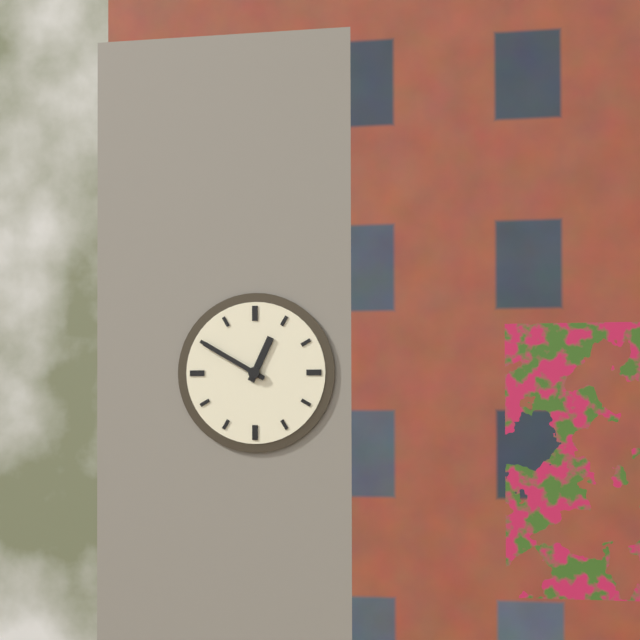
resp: 12h50
